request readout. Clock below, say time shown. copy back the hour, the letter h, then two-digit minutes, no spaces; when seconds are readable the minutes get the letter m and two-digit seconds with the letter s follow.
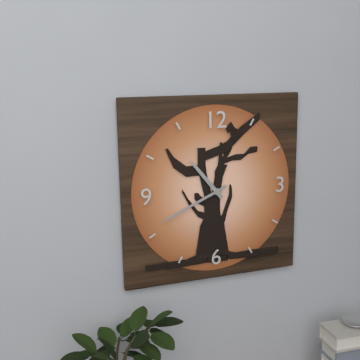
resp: 10h41
